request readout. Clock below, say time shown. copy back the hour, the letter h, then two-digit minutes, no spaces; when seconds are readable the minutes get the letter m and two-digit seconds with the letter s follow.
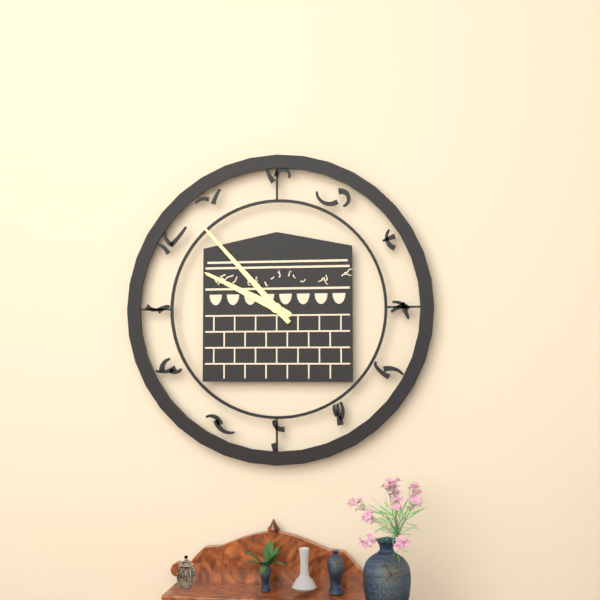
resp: 9h53
